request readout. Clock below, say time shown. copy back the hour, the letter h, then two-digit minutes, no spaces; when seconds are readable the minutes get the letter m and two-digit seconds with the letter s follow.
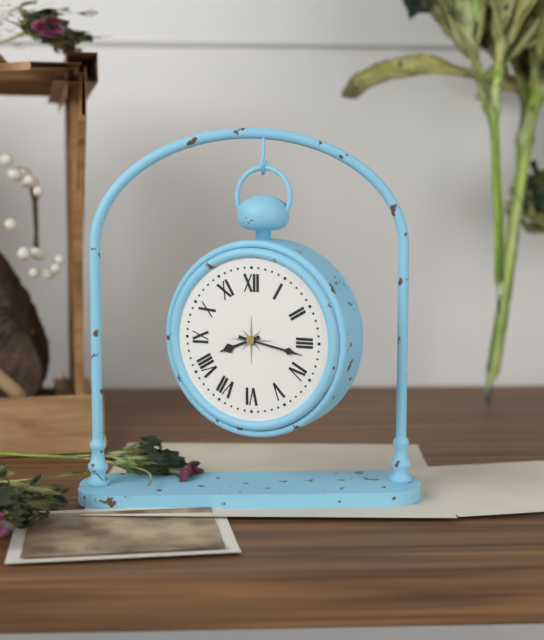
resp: 8h17
